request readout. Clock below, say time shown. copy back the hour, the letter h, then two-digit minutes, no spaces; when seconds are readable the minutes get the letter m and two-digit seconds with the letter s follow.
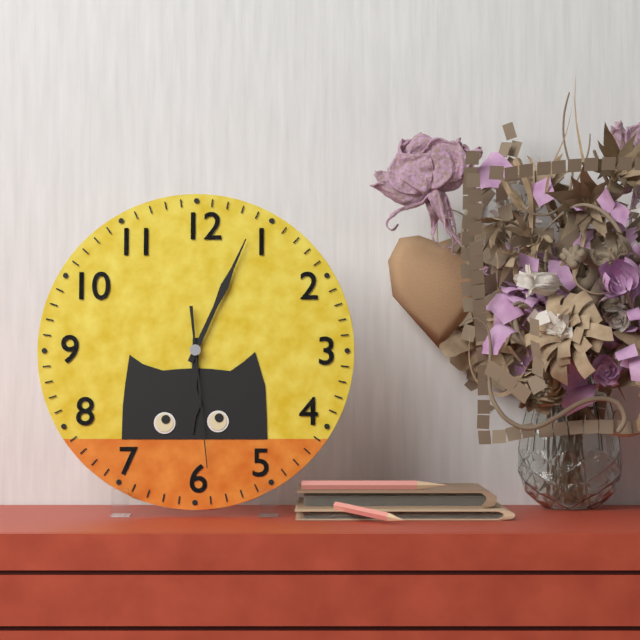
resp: 6h04m29s
